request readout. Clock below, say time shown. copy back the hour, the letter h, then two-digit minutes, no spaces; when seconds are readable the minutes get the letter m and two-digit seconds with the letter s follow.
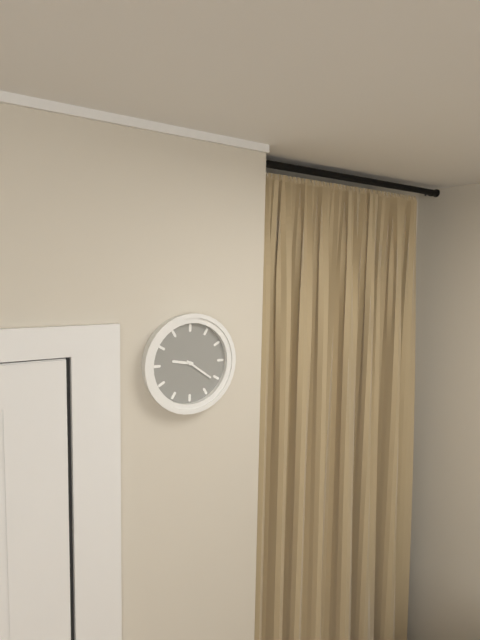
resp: 9h21
